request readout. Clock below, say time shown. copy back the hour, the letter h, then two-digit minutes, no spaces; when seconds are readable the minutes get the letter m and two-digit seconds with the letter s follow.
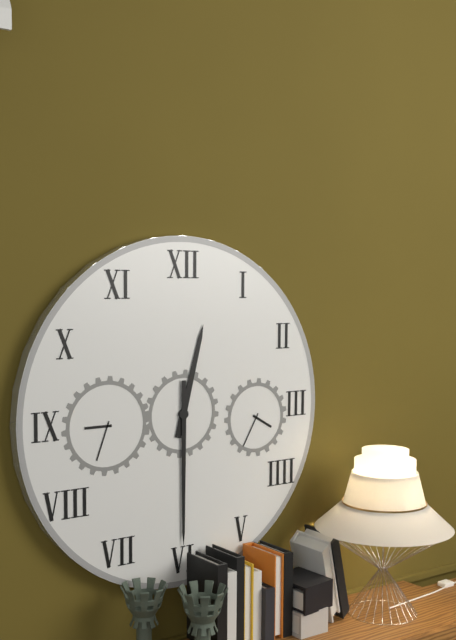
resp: 12h30
